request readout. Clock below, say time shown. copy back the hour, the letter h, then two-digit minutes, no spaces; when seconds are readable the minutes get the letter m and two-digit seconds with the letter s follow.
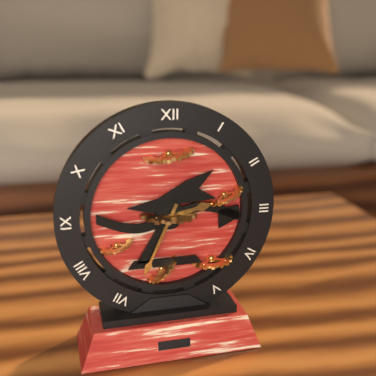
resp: 2h34
